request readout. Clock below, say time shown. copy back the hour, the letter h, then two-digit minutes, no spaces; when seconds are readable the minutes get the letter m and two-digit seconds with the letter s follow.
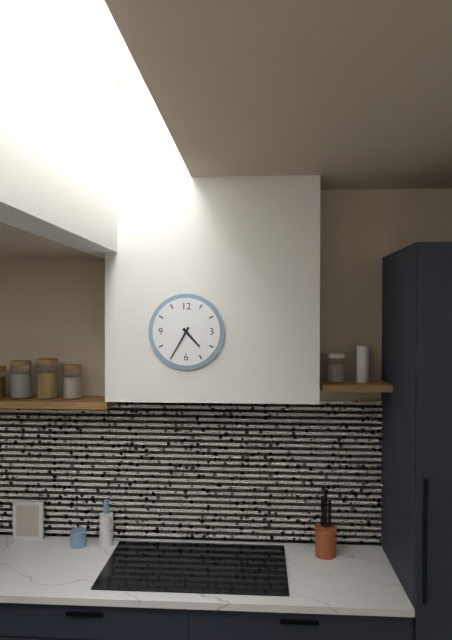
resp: 4h35
